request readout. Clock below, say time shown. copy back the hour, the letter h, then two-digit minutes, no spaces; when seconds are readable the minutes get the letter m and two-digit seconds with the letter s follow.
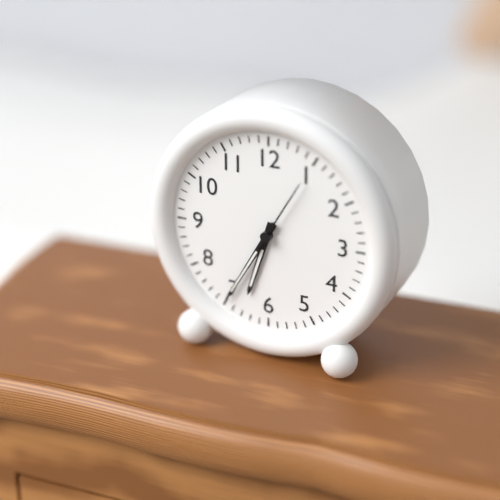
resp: 6h35m05s
